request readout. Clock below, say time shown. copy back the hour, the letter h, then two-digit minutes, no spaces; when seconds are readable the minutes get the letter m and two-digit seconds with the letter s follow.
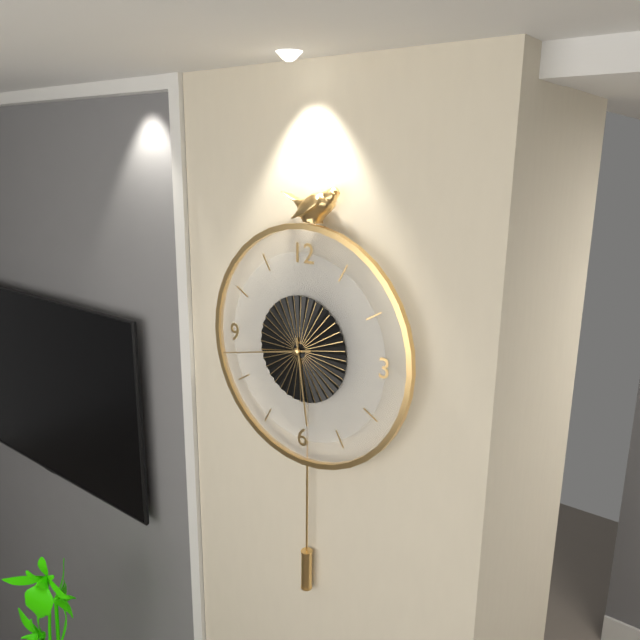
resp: 5h43
